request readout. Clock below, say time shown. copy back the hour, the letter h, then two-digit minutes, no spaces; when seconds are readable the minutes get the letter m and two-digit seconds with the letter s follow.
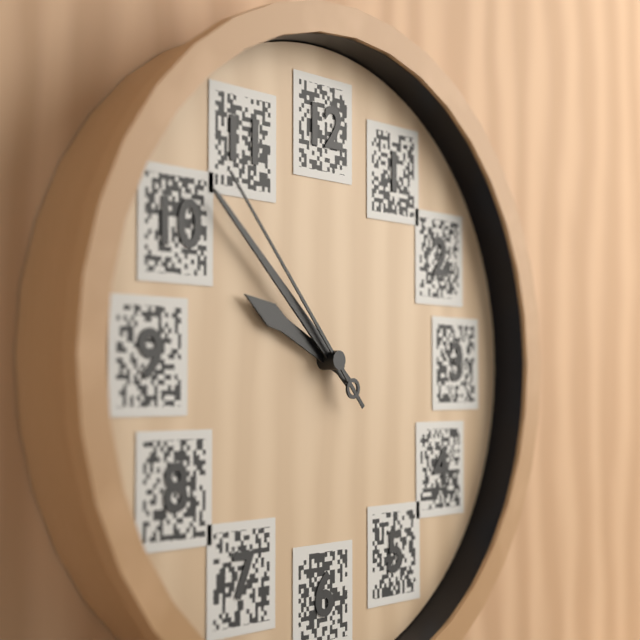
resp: 9h52m53s
